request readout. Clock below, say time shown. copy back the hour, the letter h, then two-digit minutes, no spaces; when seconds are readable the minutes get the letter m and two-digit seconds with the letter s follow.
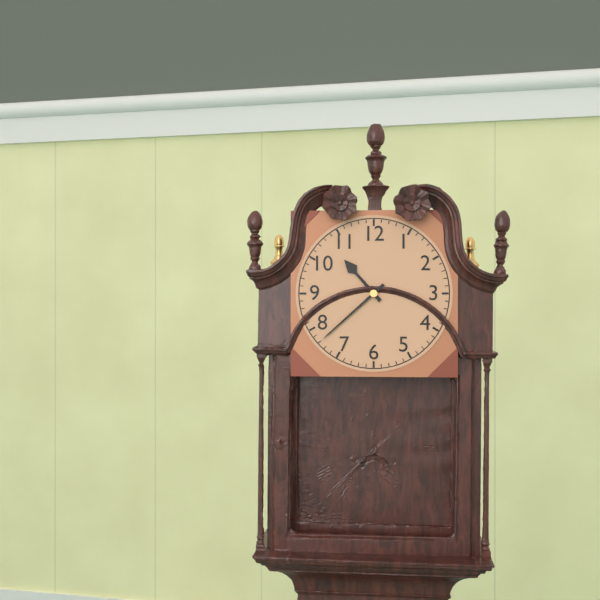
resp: 10h38
